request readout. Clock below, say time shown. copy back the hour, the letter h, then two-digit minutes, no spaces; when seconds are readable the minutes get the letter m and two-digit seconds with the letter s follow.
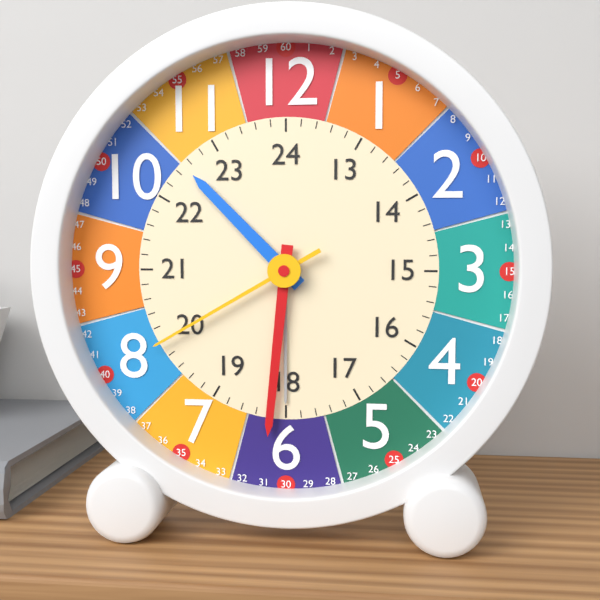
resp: 10h31m40s
